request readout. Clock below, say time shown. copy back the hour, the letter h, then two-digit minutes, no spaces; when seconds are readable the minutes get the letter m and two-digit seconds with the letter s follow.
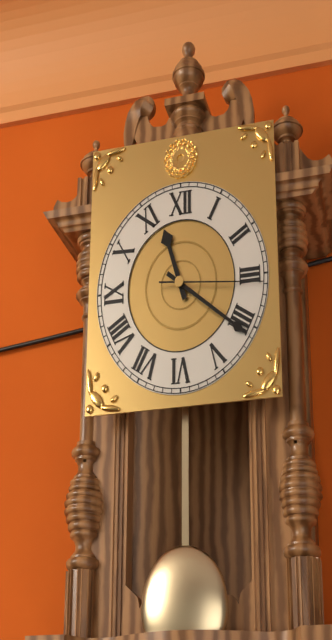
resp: 11h21m16s
